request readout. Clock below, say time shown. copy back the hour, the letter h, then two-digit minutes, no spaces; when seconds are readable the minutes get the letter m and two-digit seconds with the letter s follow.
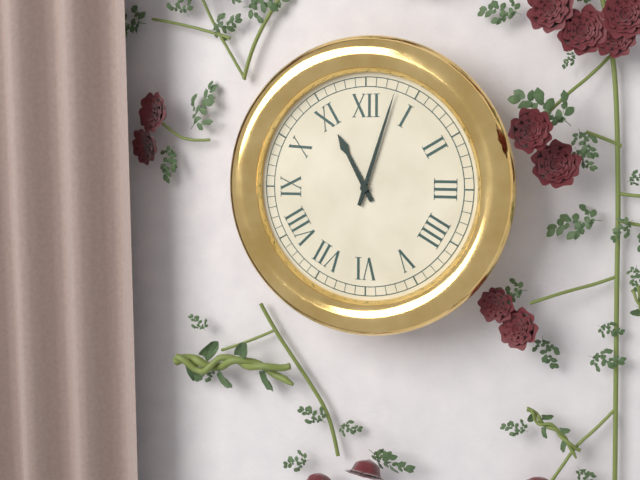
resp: 11h03
